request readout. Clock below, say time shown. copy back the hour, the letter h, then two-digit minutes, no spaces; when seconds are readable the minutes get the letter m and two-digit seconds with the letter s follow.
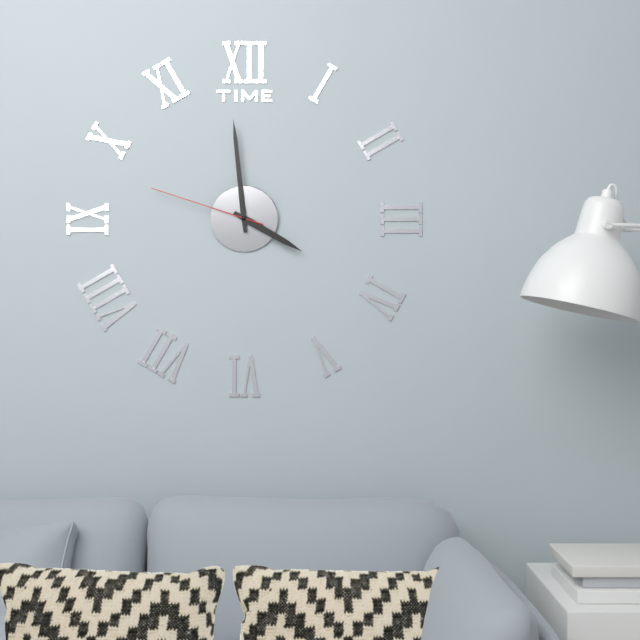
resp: 3h59m48s
